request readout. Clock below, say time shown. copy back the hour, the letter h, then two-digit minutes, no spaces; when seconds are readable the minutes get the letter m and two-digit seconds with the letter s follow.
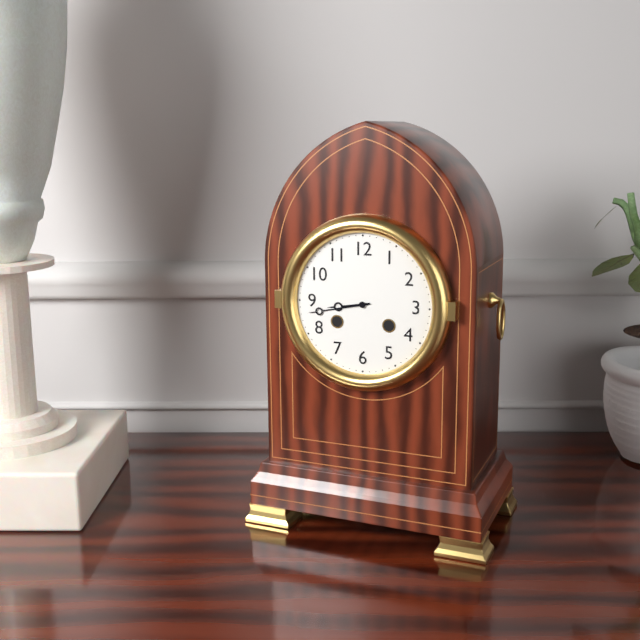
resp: 8h43
